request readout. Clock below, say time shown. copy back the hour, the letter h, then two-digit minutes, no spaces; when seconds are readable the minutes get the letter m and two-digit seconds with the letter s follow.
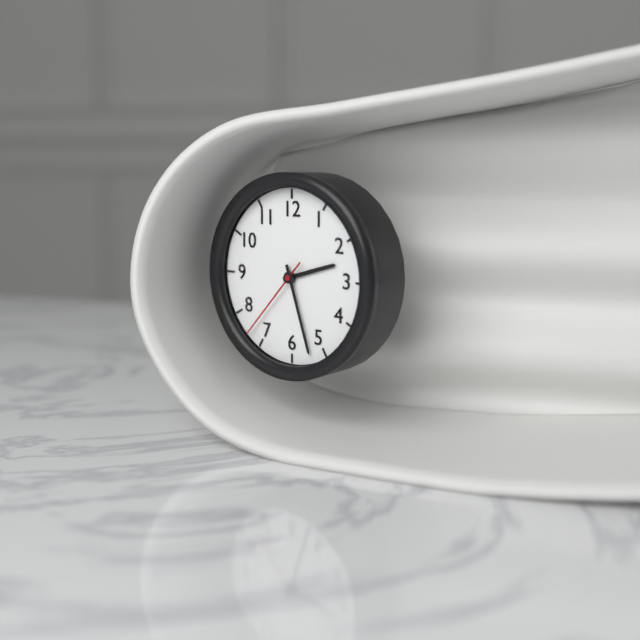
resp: 2h27m37s
